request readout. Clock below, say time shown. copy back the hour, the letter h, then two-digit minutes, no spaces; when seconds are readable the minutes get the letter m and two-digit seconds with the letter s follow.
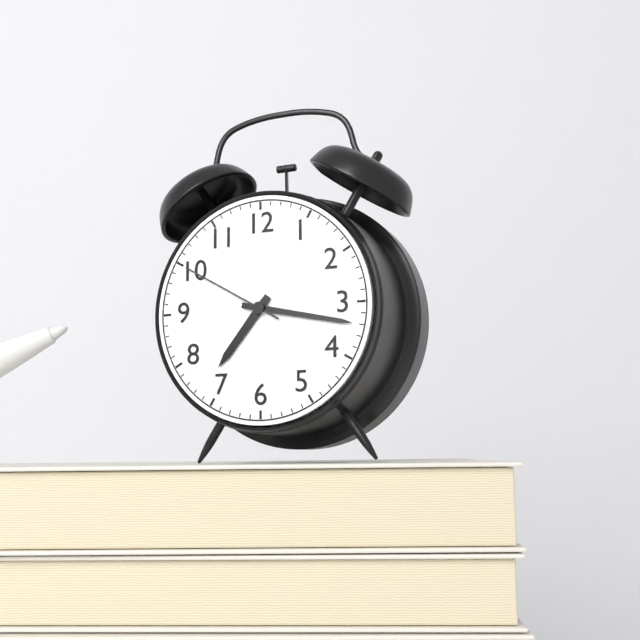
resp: 7h17m50s
